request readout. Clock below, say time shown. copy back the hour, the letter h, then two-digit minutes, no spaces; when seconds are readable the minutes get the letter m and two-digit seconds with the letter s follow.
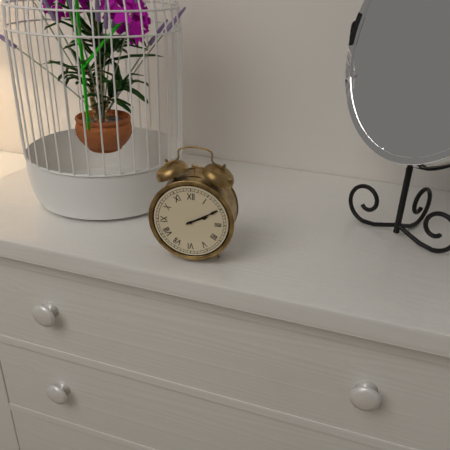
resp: 2h10
